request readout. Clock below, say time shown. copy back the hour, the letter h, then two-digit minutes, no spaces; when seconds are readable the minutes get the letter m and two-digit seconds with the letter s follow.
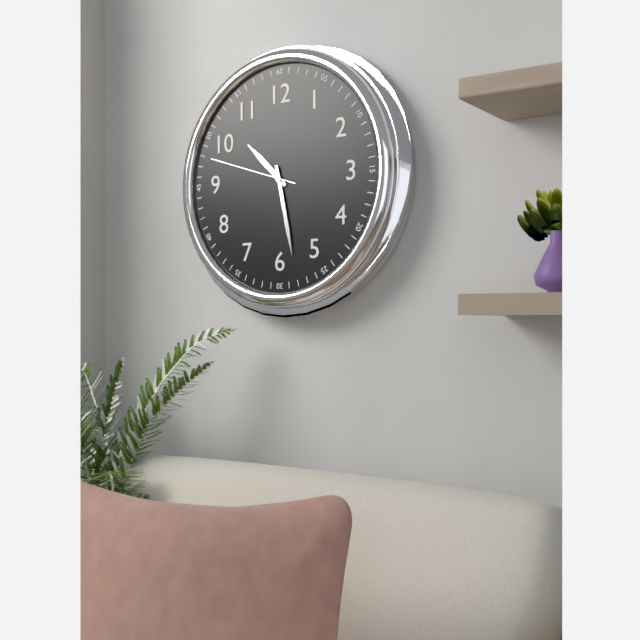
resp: 10h28m48s
